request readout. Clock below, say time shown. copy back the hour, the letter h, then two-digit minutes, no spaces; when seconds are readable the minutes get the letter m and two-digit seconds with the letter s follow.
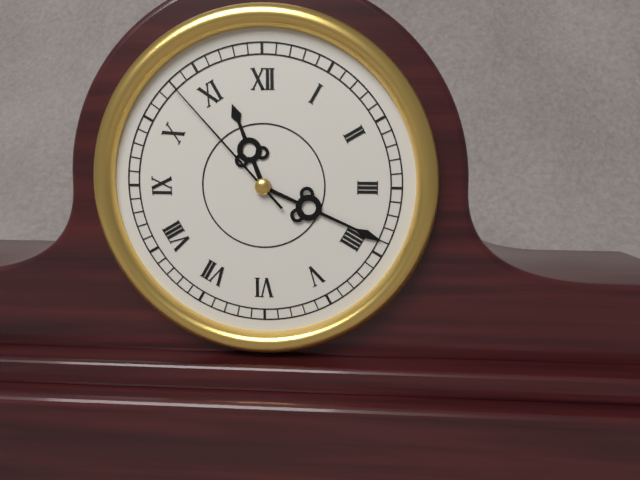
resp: 11h19m53s
